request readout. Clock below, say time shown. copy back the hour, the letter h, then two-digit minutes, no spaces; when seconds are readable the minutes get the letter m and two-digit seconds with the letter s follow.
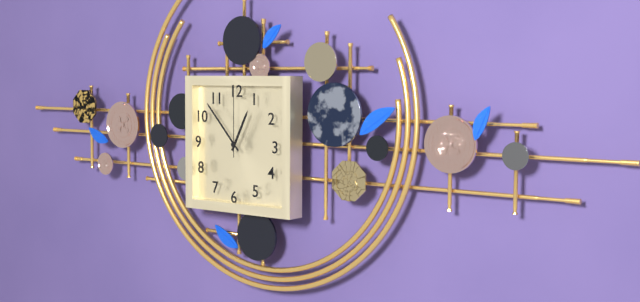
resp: 12h53m00s
